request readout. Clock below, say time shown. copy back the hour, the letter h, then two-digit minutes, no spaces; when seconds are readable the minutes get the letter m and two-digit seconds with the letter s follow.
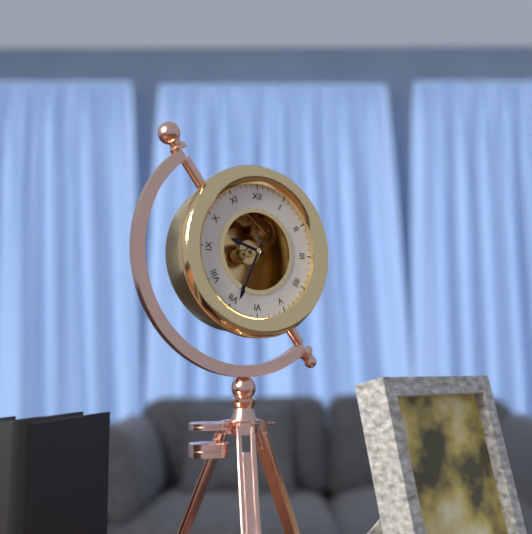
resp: 9h34
